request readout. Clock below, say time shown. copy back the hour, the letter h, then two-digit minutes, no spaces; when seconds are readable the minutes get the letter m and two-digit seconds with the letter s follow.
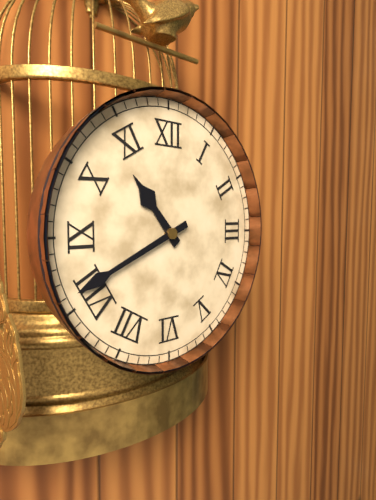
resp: 10h41
